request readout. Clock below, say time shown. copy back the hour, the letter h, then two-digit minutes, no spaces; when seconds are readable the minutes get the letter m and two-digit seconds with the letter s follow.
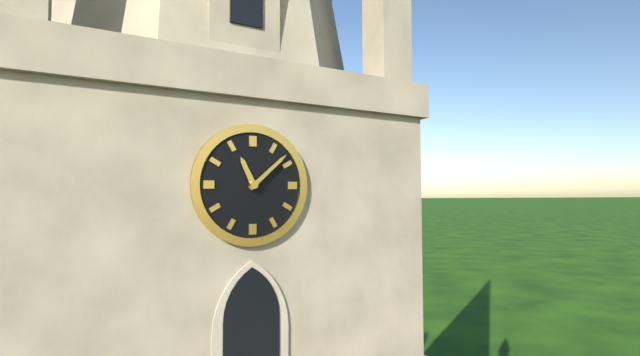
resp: 11h08
